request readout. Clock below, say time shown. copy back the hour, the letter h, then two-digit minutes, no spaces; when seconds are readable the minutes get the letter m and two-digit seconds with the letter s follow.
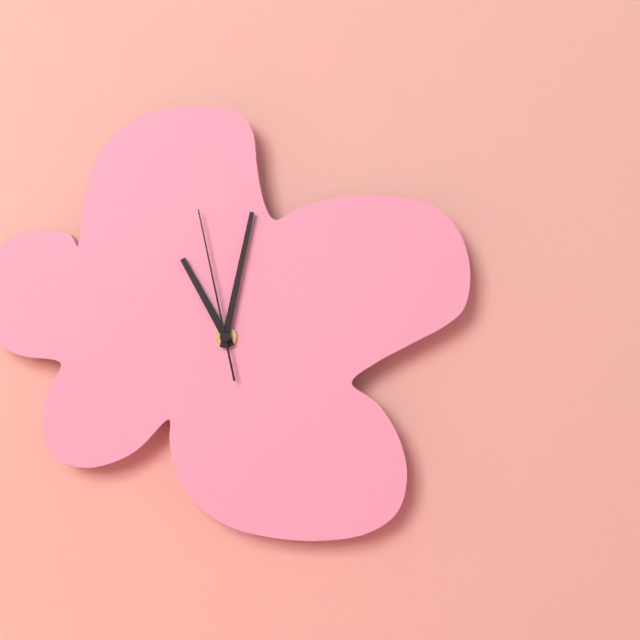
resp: 11h02m58s
